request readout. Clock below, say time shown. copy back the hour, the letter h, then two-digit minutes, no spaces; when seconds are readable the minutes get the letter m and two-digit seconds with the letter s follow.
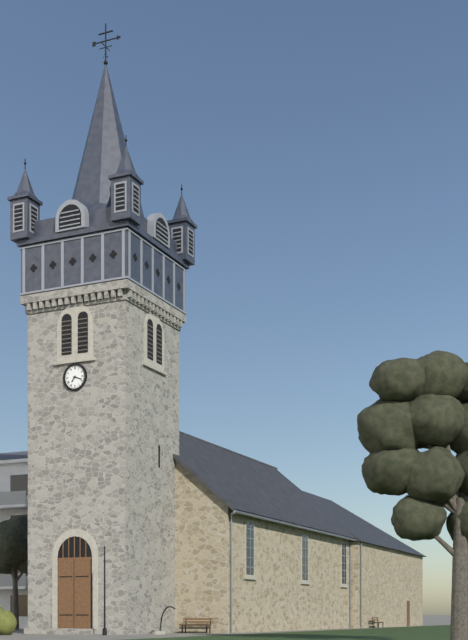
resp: 7h18
